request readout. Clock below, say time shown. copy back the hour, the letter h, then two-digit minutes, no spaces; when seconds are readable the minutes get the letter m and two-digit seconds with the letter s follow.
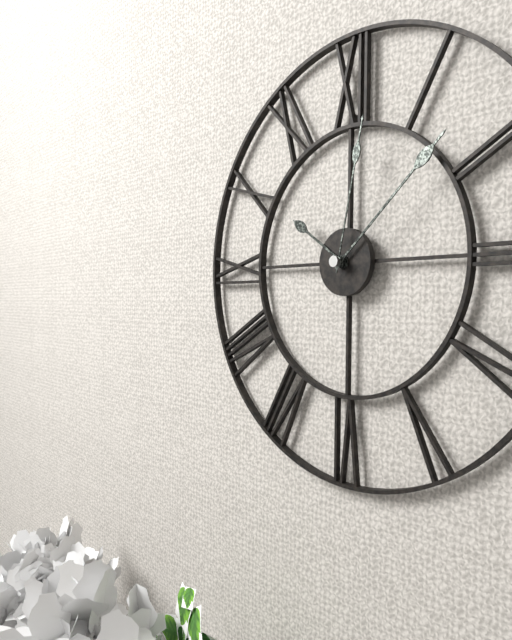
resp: 10h08m02s
